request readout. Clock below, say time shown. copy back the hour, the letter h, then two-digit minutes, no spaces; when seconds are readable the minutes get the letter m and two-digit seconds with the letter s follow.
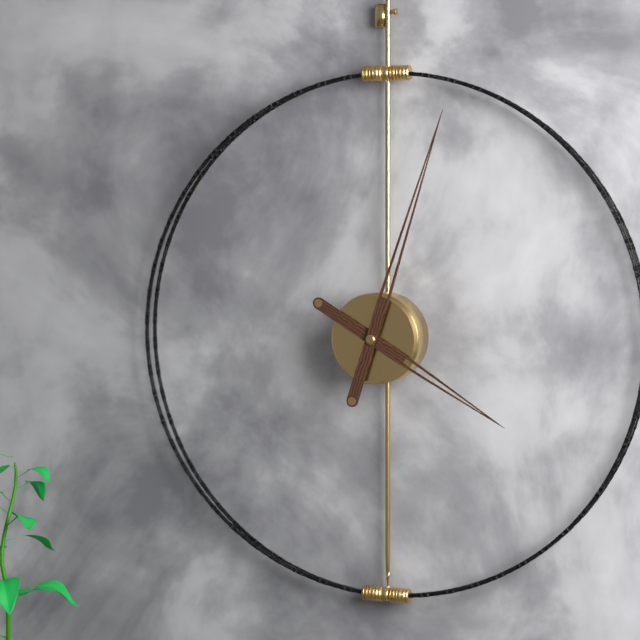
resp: 4h03
